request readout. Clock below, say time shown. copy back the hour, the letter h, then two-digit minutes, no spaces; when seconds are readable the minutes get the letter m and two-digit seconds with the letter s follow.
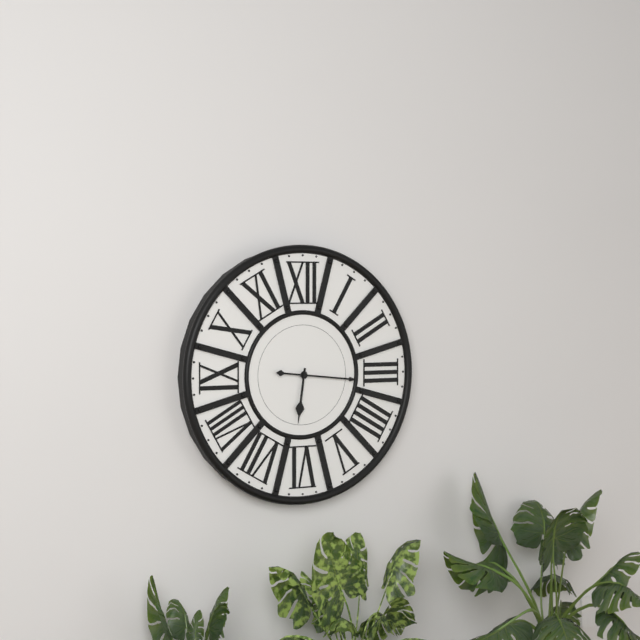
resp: 6h16
